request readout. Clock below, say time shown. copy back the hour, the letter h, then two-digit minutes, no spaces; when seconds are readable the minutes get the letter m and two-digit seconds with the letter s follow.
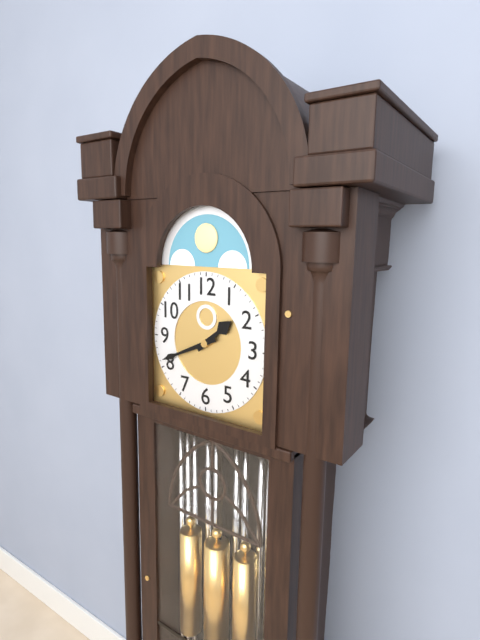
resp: 1h41
